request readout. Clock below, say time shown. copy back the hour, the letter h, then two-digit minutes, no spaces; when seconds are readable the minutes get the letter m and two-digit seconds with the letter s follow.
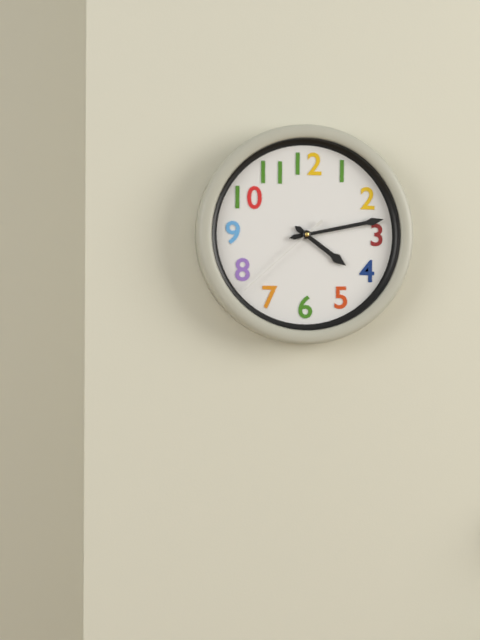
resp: 4h13m38s
